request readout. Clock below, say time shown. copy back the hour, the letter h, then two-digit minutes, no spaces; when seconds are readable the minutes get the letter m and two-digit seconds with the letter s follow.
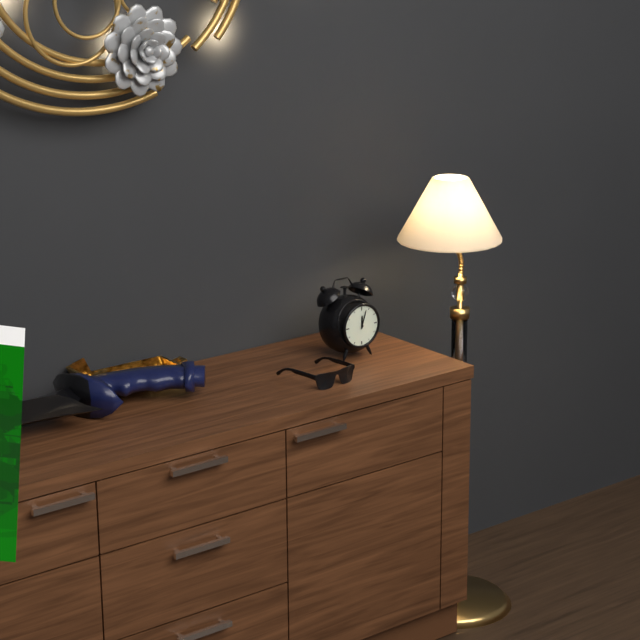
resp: 12h03
